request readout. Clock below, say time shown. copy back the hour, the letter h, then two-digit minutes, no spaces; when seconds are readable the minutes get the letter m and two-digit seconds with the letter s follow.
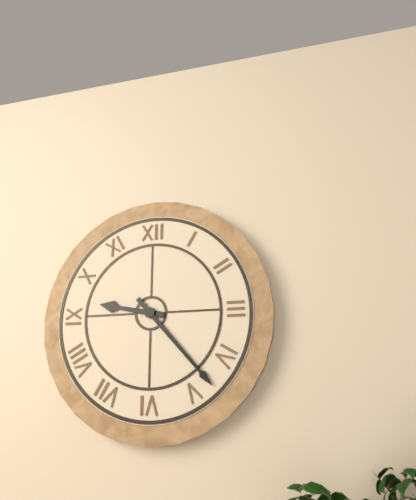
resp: 9h23
